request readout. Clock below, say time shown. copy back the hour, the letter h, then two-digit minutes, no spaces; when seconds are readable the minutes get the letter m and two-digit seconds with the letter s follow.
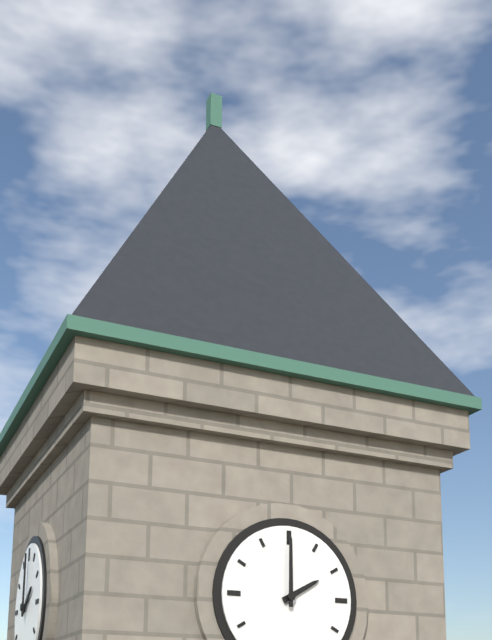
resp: 2h00
